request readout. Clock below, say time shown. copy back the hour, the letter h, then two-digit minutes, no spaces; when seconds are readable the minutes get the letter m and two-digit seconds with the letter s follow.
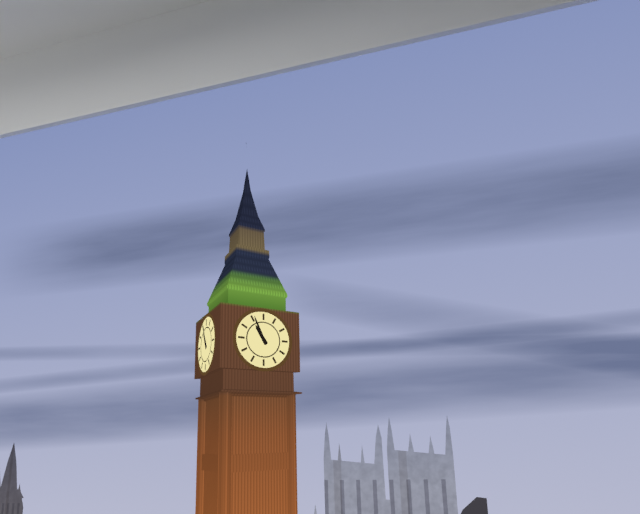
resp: 10h56
